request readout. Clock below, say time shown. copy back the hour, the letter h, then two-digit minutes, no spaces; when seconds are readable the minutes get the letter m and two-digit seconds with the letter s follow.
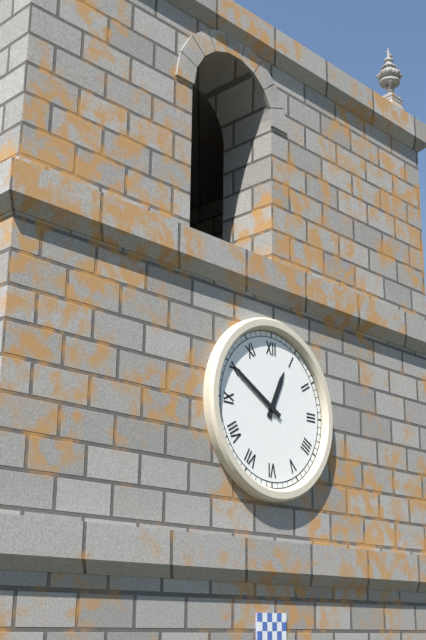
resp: 12h50
